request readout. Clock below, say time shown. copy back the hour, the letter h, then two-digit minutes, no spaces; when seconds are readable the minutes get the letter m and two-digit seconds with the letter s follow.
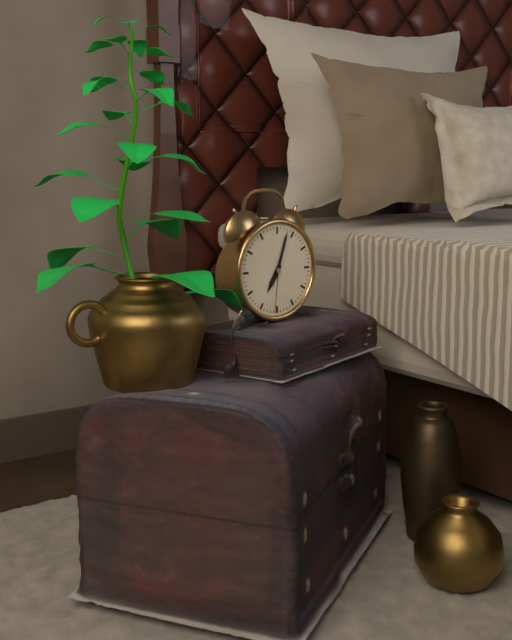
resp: 7h03m31s
